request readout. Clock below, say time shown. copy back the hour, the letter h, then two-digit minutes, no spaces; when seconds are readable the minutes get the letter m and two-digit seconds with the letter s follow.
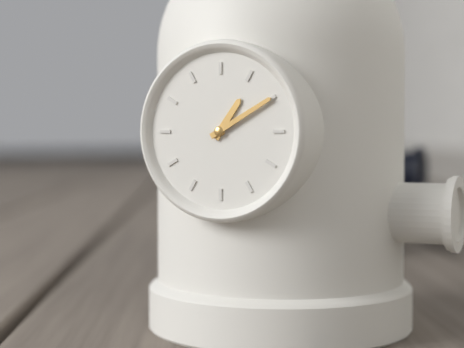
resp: 1h10
